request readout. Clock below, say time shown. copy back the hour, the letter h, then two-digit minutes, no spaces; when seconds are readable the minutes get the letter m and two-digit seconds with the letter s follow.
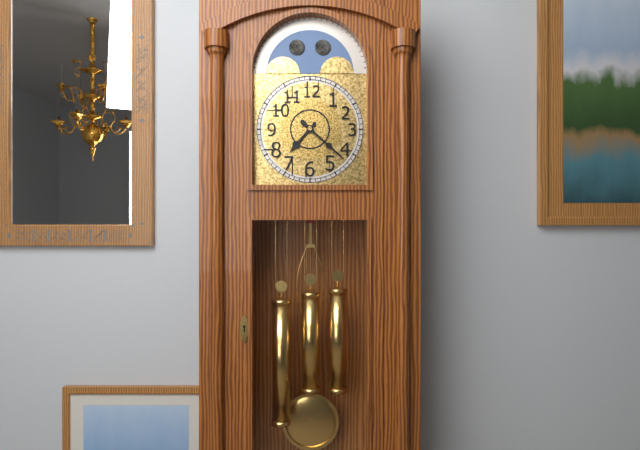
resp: 7h22
